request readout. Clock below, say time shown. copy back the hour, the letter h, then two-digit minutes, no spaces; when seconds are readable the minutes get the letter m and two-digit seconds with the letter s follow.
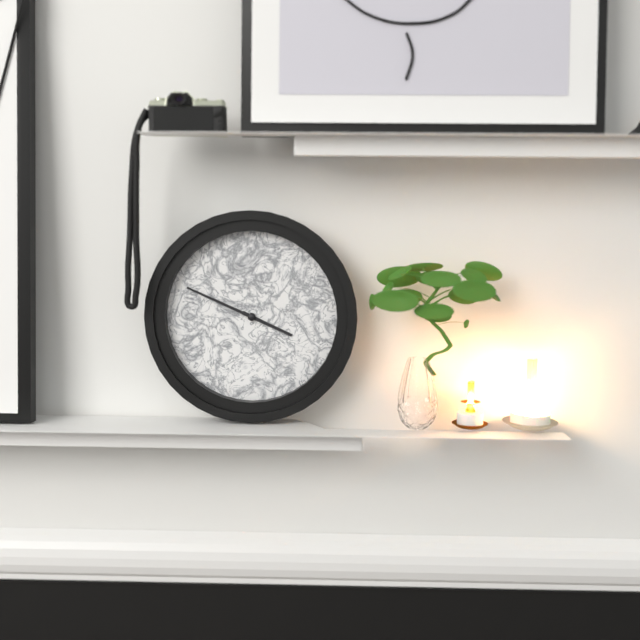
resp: 3h49
